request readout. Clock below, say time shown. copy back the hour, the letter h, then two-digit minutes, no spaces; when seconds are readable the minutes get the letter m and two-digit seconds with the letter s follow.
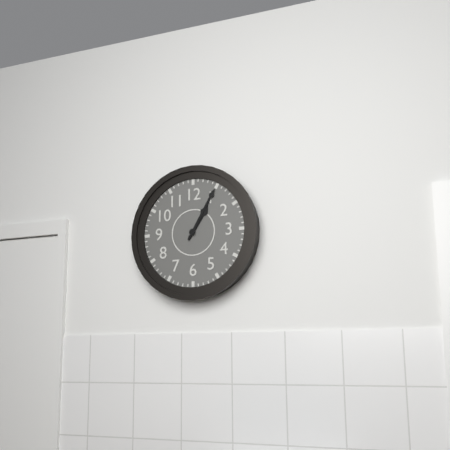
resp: 1h05
